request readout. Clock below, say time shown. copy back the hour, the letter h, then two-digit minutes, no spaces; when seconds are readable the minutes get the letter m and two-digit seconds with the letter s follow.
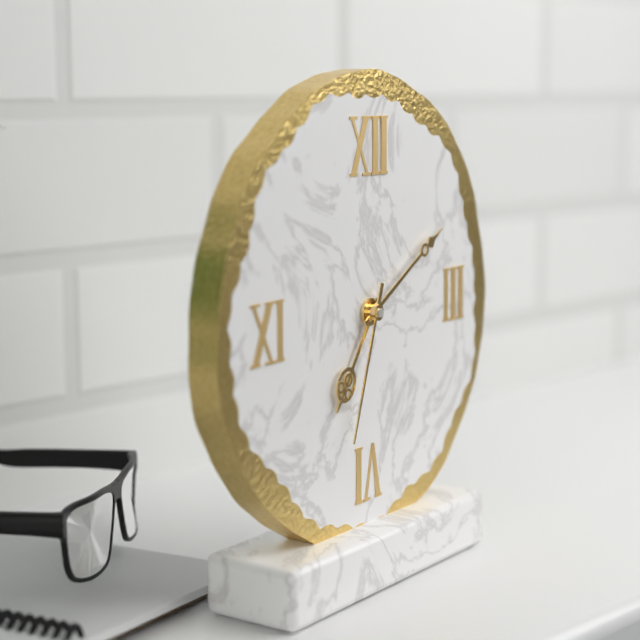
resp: 7h10m33s
